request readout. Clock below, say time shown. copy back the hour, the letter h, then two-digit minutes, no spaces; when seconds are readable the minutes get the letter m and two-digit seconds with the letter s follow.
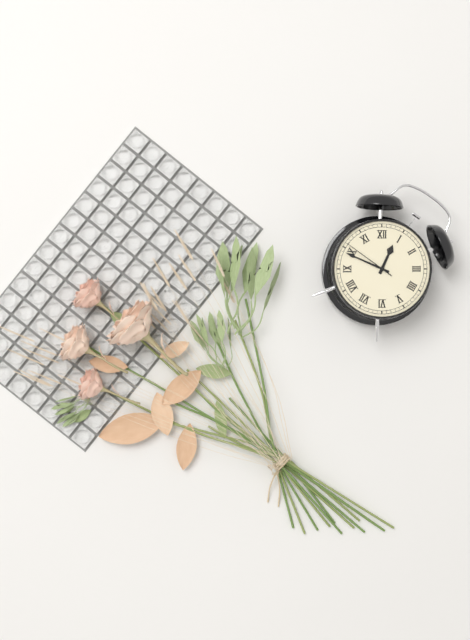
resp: 12h49m51s
